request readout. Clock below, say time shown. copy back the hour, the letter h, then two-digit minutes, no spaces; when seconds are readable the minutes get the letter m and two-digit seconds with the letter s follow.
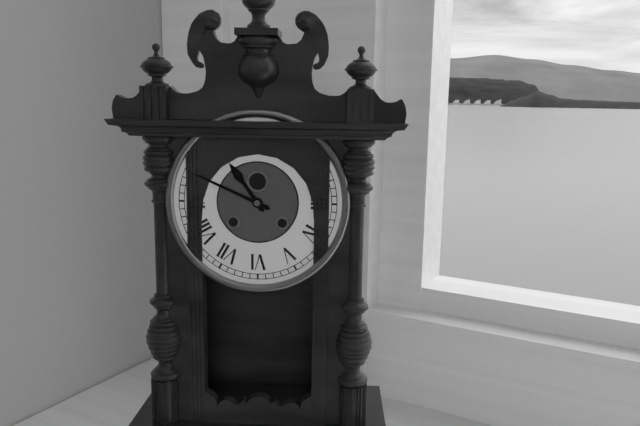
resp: 10h49
